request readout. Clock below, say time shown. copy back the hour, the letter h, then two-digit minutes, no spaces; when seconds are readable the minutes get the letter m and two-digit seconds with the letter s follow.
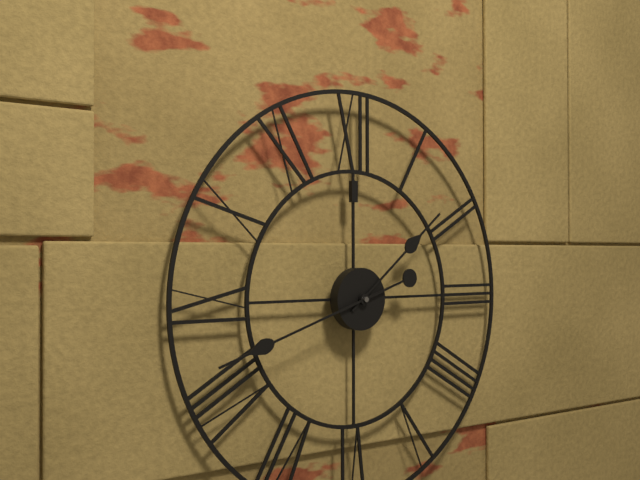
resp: 1h42
